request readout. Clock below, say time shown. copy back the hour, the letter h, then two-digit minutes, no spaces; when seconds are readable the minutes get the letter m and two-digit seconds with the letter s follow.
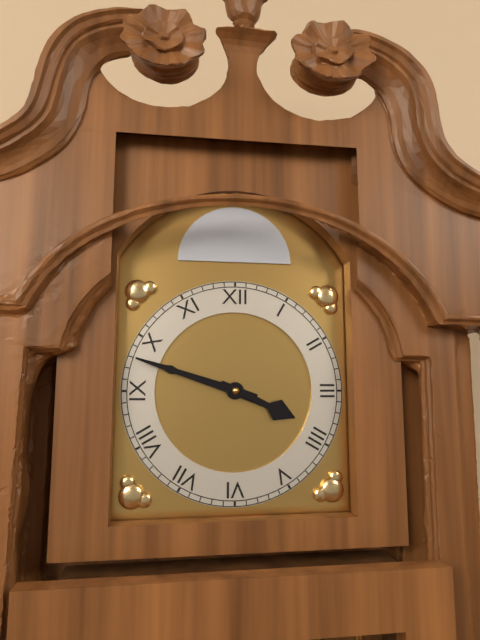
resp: 3h48
